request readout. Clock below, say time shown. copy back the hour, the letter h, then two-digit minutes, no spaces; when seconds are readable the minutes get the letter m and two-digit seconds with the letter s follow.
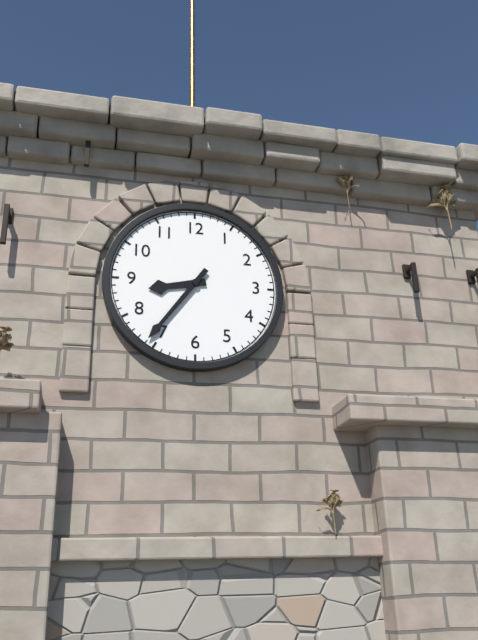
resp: 8h36
